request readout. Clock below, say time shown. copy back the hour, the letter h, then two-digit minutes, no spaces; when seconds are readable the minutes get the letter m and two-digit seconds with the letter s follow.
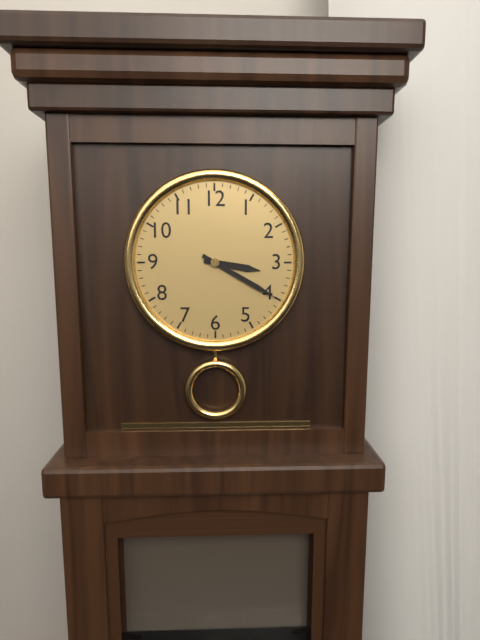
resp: 3h20
